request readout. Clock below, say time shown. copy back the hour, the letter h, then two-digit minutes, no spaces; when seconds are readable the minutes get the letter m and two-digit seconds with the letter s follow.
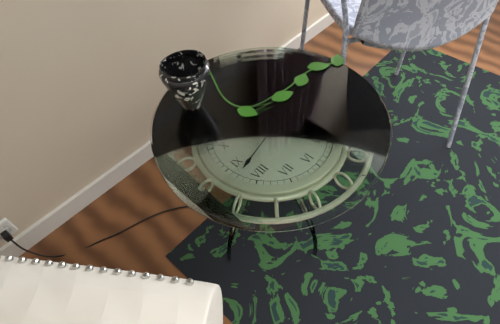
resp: 2h43
